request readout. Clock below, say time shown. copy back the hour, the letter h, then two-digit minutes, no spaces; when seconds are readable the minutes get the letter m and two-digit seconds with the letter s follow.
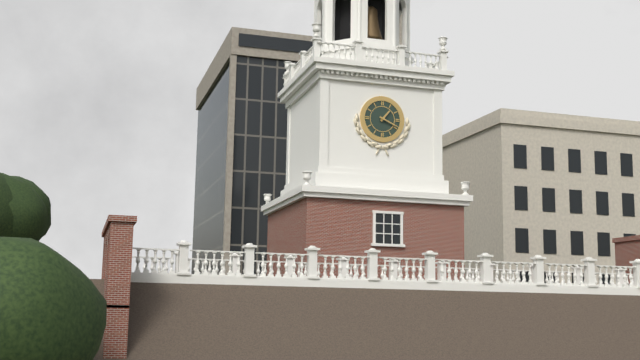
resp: 1h19
